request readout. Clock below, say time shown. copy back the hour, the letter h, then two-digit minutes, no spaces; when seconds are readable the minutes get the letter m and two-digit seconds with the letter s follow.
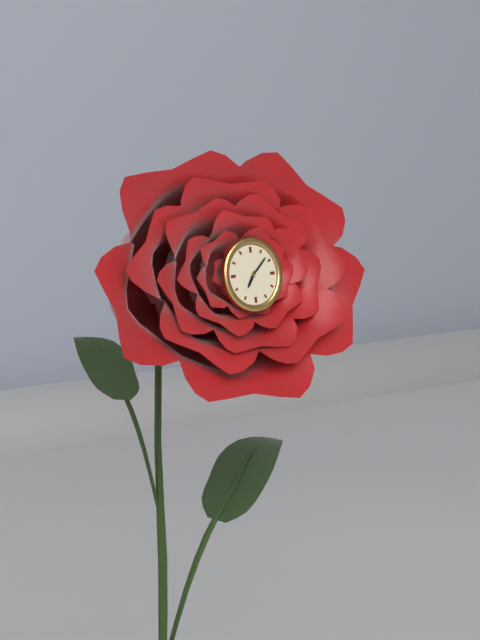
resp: 7h08
